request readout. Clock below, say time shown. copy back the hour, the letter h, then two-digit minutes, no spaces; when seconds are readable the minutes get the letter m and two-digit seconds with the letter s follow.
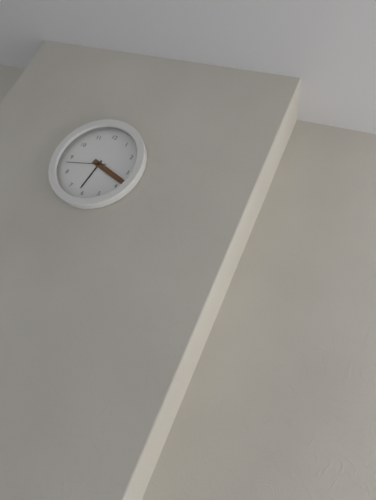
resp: 6h18
